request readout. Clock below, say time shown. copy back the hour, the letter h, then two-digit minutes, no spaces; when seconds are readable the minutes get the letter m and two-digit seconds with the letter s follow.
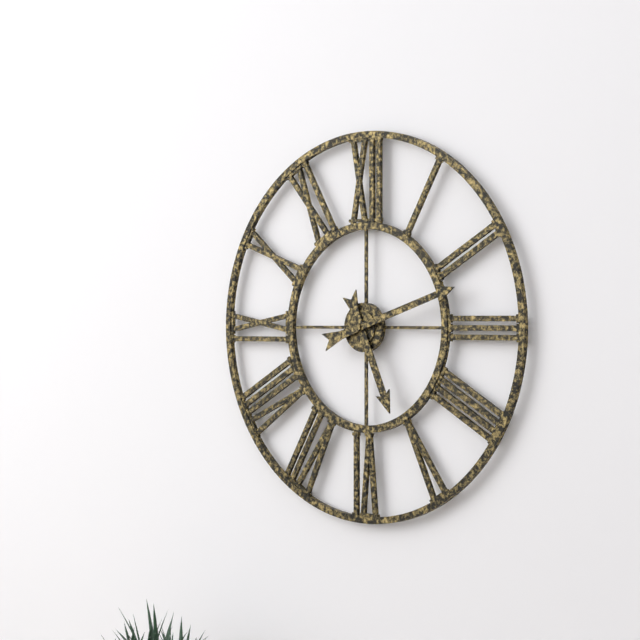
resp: 5h12
